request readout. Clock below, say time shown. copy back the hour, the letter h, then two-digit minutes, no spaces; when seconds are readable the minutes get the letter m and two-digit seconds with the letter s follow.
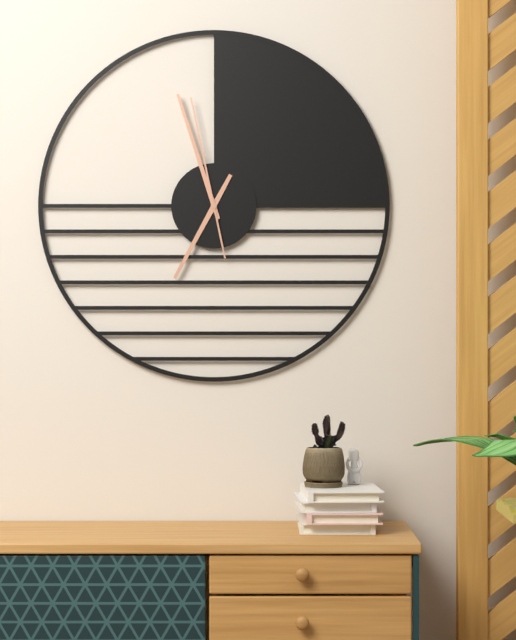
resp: 6h57m58s
